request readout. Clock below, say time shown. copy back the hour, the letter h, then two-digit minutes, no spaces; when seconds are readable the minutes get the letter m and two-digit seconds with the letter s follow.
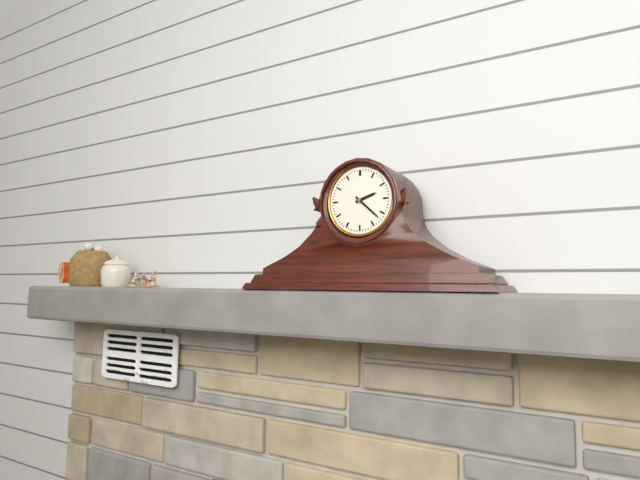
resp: 2h22
